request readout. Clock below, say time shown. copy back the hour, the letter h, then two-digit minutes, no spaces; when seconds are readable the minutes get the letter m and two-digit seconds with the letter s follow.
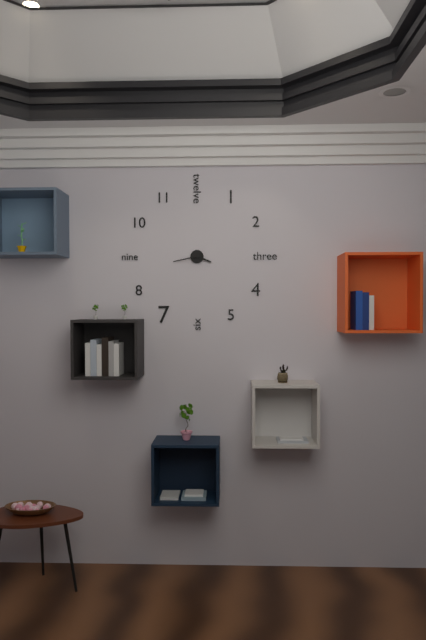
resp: 3h43
